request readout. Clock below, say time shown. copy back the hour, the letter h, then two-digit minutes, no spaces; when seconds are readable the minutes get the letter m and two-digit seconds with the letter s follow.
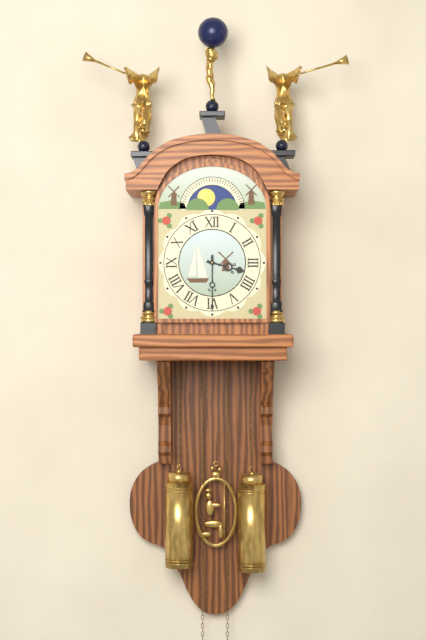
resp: 3h30
